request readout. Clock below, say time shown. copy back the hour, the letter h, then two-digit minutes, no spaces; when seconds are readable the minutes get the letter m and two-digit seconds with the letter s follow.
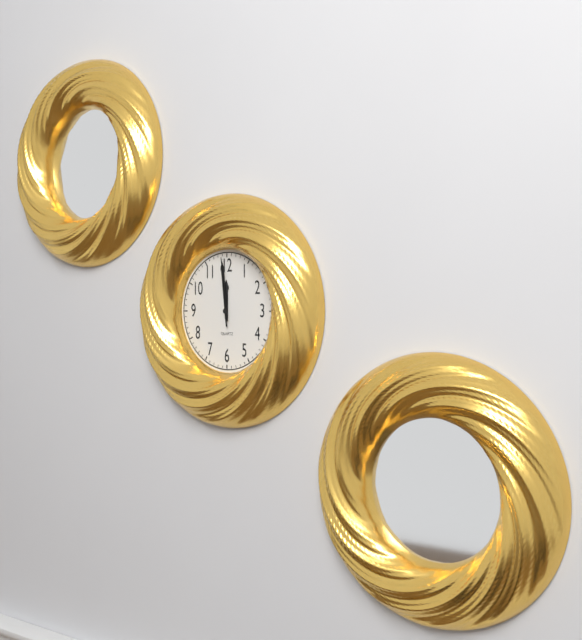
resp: 11h59m59s
